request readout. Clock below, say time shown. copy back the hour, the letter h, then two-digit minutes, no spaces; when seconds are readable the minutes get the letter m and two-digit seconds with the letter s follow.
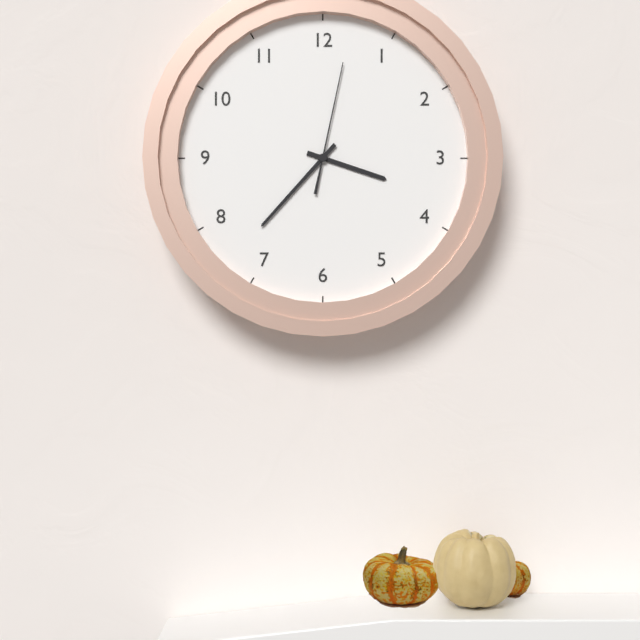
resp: 3h37m02s
